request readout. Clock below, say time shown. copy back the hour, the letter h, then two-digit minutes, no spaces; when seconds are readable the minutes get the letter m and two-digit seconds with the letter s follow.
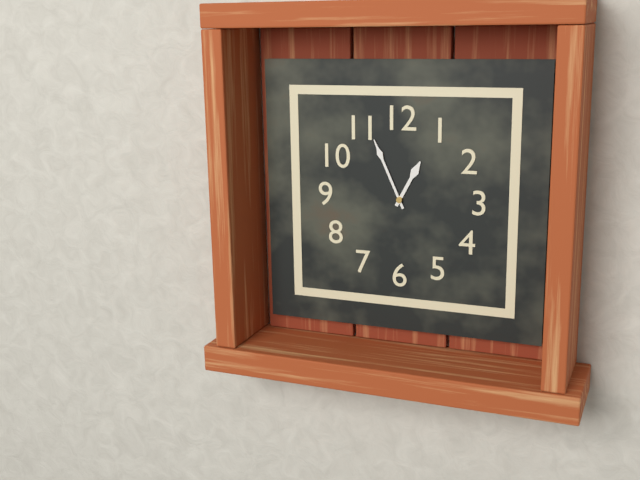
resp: 12h56
